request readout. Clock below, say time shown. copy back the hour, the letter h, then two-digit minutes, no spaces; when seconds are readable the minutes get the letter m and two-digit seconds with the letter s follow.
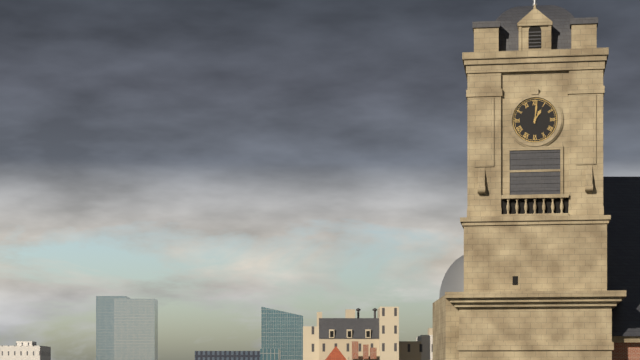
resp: 1h01
